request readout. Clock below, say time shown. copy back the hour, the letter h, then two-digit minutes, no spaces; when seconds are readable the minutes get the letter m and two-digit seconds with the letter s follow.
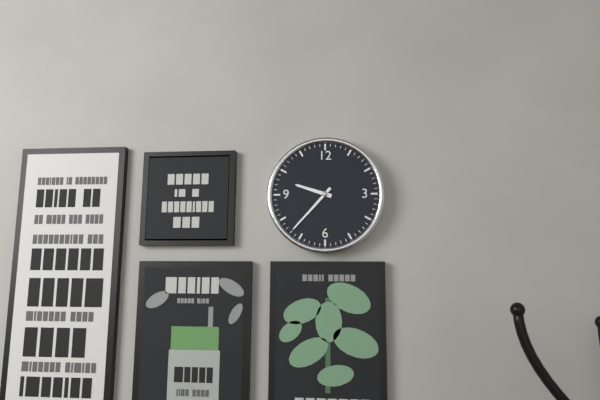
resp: 9h37
